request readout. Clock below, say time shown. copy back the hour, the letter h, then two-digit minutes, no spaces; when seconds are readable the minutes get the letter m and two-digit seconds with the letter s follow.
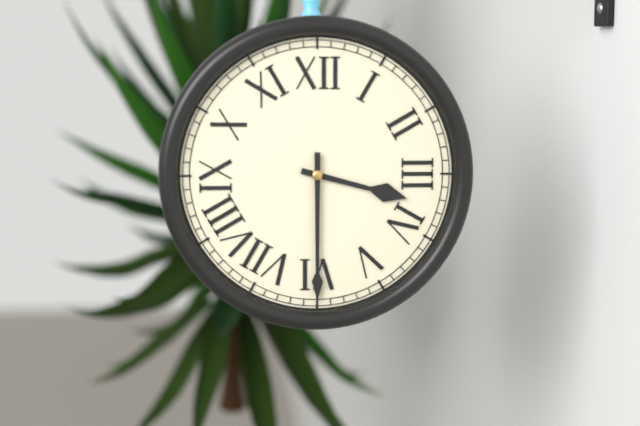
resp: 3h30
